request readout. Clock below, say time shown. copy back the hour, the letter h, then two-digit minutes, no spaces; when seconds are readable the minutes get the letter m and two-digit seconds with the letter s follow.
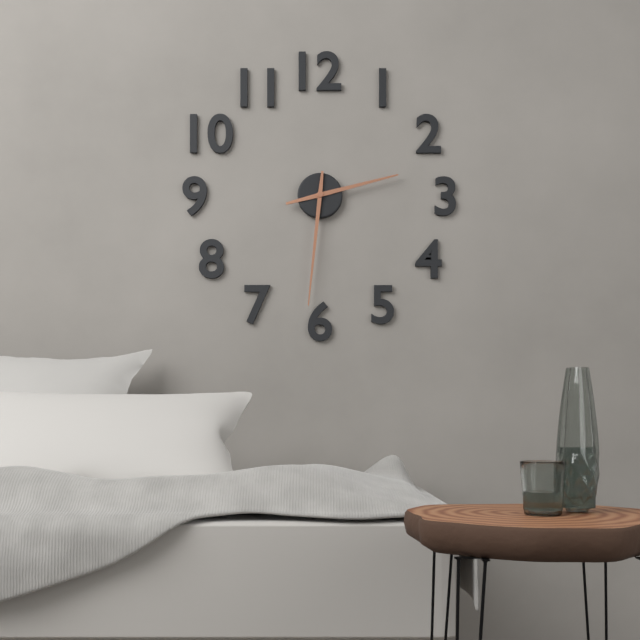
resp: 2h31
